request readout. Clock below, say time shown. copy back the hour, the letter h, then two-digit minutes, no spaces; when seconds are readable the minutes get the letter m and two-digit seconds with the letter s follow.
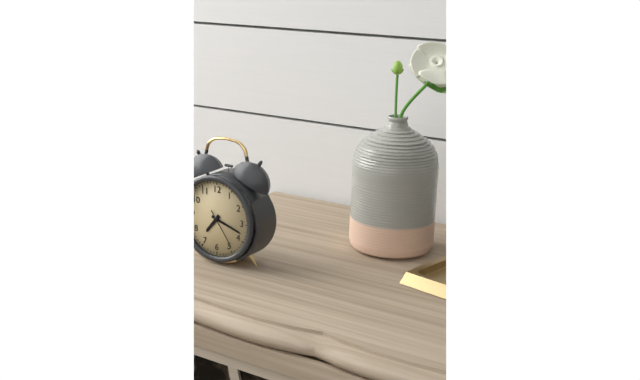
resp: 7h18
